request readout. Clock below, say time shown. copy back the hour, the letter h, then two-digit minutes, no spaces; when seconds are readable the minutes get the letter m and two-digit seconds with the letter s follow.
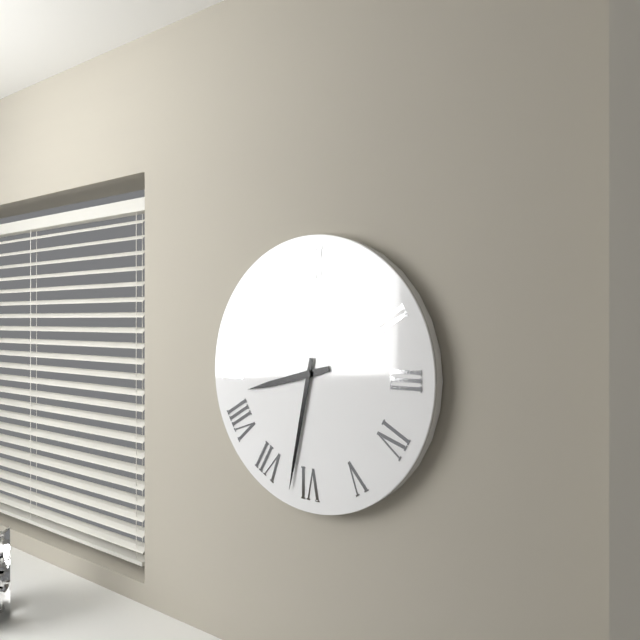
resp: 8h32
